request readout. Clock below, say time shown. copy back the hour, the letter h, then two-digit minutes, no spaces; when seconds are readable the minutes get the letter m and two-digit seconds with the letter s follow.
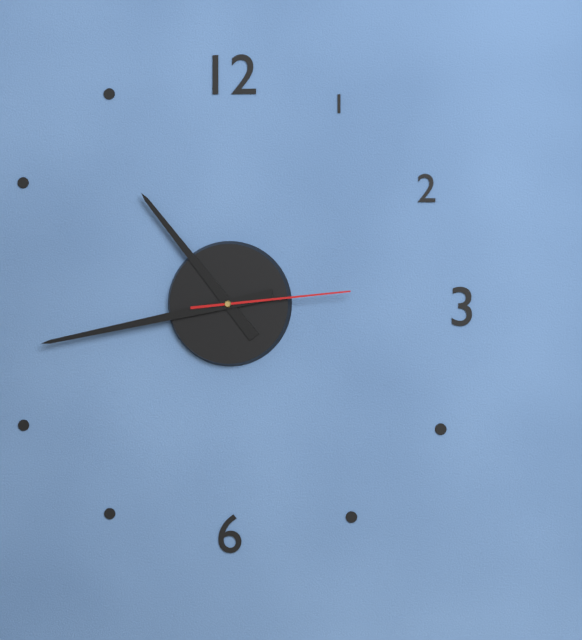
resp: 10h43m14s
